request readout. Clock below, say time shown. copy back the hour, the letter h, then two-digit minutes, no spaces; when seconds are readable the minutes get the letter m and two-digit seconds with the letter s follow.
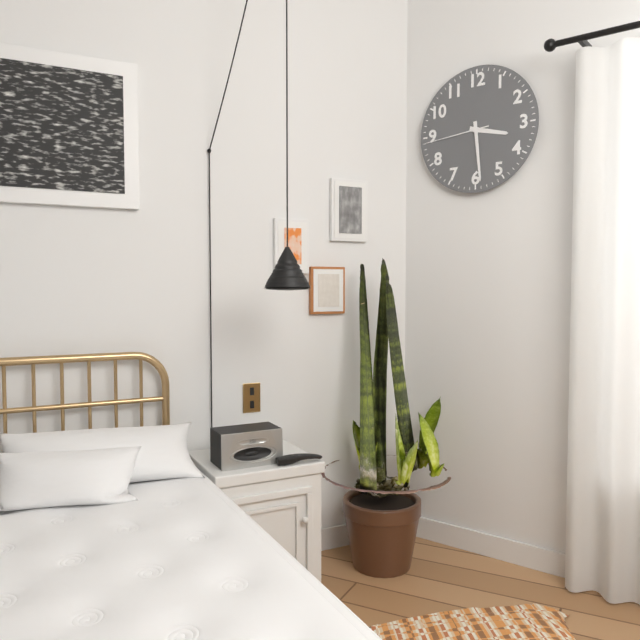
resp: 3h29m44s
